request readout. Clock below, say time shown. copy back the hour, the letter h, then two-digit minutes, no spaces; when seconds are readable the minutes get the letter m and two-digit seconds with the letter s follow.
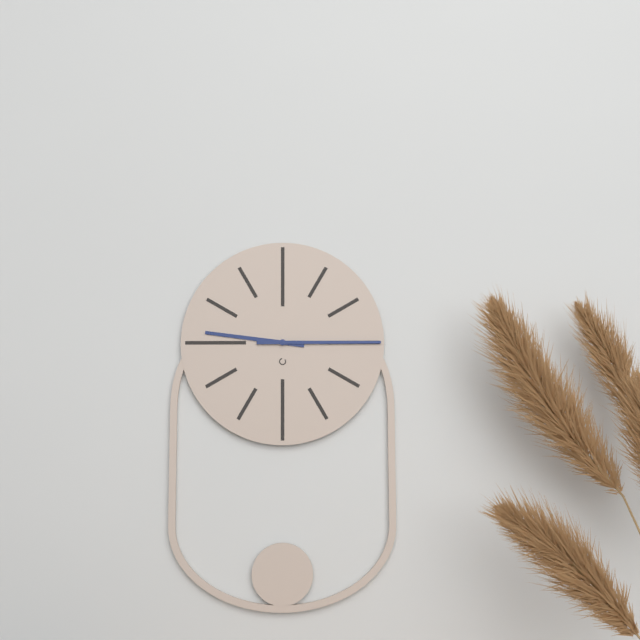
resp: 9h15
